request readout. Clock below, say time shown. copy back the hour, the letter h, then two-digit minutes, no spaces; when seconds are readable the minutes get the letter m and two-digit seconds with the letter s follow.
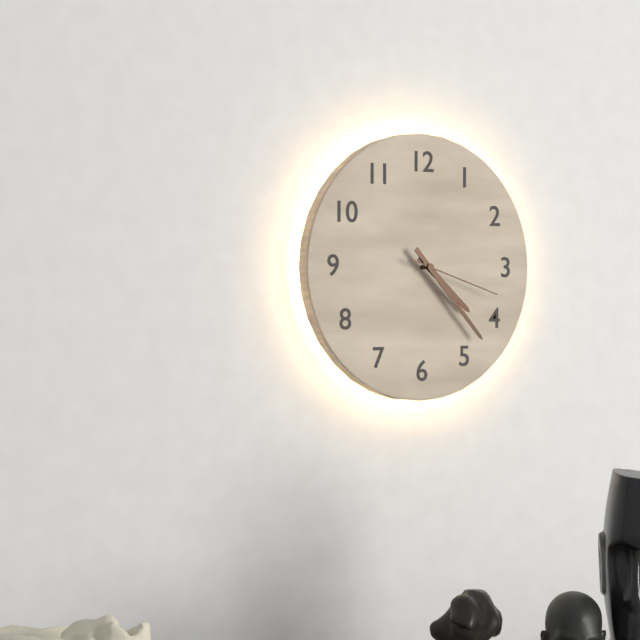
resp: 4h23m18s
